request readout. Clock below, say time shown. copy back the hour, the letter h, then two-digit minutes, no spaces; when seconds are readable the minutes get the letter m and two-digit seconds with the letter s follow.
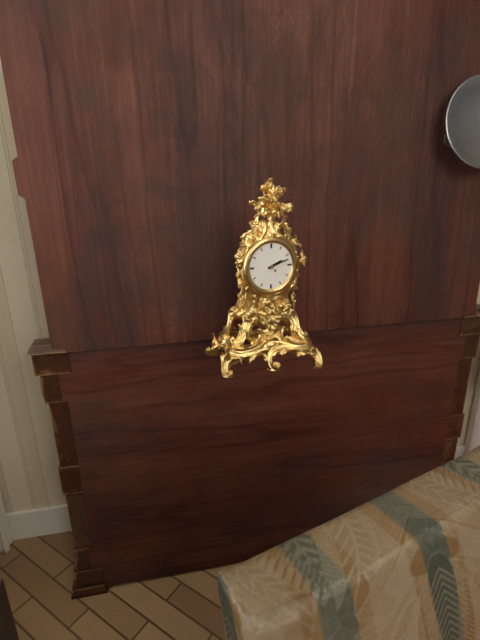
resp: 2h12
